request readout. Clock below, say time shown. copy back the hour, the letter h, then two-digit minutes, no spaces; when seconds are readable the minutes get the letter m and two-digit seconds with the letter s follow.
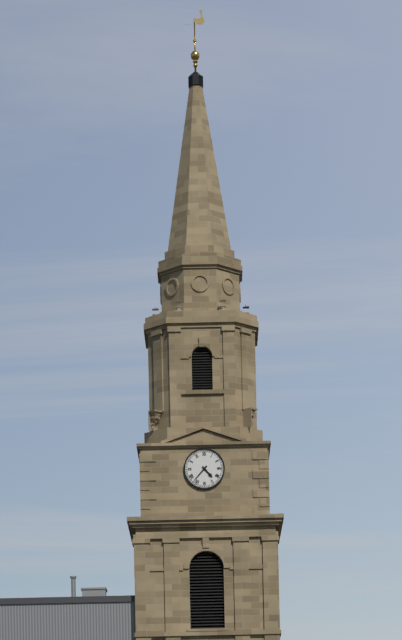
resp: 4h37
